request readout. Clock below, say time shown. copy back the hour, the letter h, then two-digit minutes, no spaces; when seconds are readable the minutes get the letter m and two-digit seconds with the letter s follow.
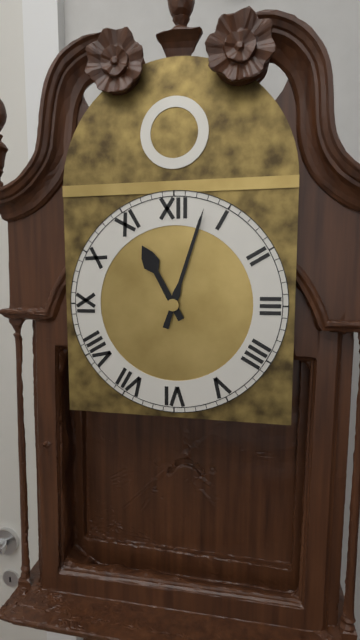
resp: 11h03
